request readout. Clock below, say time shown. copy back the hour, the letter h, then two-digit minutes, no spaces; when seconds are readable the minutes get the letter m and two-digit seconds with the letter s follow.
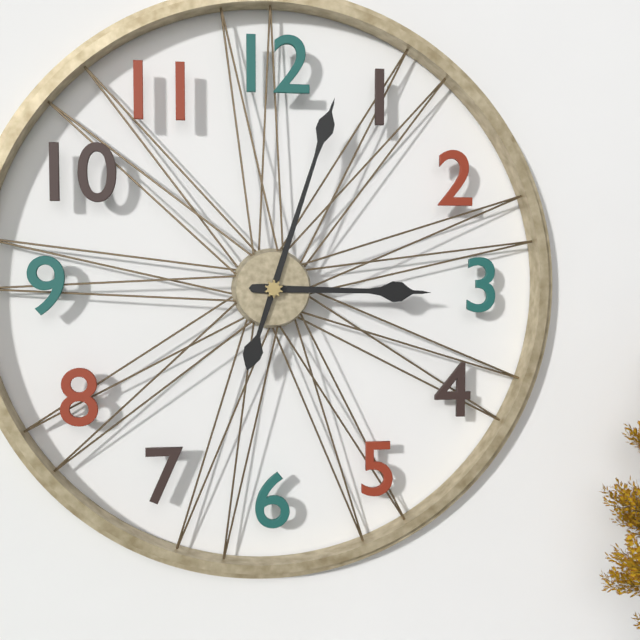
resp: 3h03
